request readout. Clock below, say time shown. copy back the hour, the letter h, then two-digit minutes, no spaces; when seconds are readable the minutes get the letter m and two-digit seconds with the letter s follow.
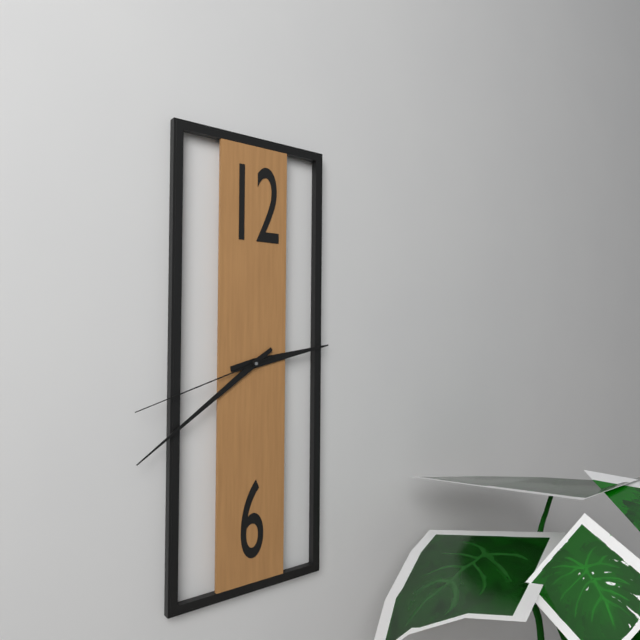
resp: 2h39m42s
